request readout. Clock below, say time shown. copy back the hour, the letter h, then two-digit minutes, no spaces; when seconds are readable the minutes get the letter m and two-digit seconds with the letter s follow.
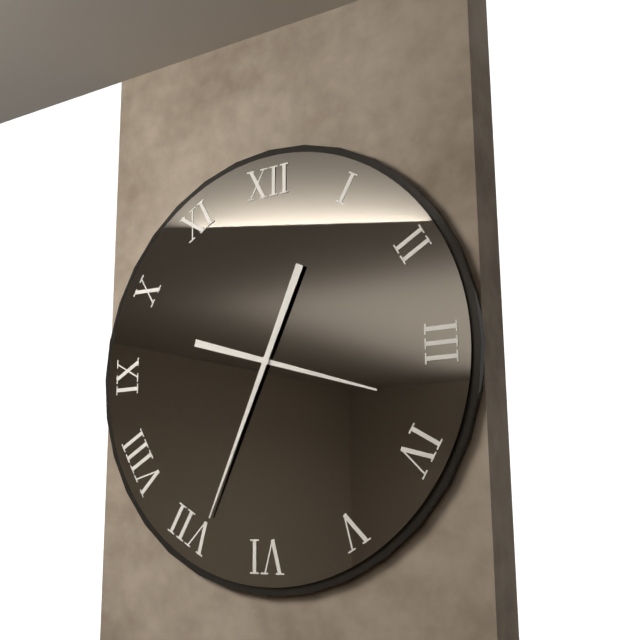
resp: 3h34
